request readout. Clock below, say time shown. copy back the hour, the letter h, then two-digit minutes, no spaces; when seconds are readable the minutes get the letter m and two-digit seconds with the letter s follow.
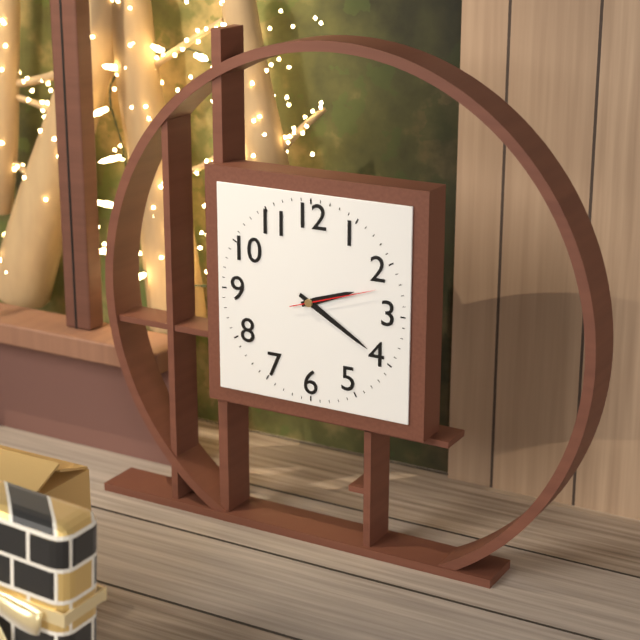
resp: 2h20m12s
